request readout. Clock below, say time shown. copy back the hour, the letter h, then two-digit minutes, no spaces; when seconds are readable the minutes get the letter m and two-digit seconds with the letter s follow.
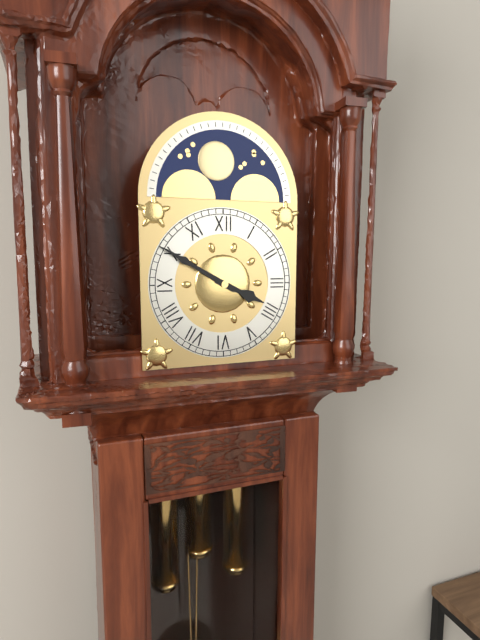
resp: 3h50
